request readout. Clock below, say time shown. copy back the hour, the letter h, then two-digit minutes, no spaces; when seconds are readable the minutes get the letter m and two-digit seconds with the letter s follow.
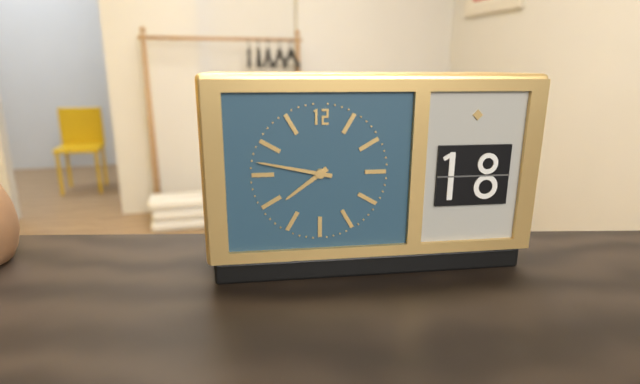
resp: 7h47
